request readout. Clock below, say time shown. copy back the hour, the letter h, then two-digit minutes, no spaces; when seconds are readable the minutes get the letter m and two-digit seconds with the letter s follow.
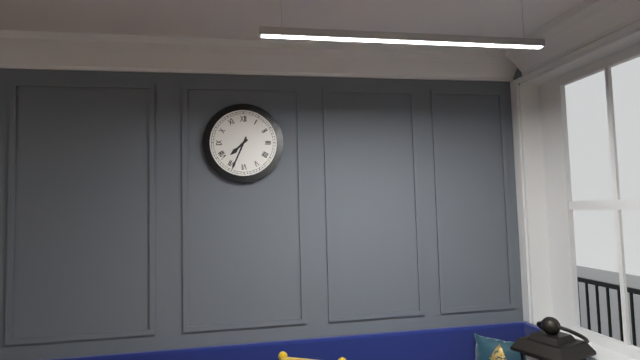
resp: 7h34
